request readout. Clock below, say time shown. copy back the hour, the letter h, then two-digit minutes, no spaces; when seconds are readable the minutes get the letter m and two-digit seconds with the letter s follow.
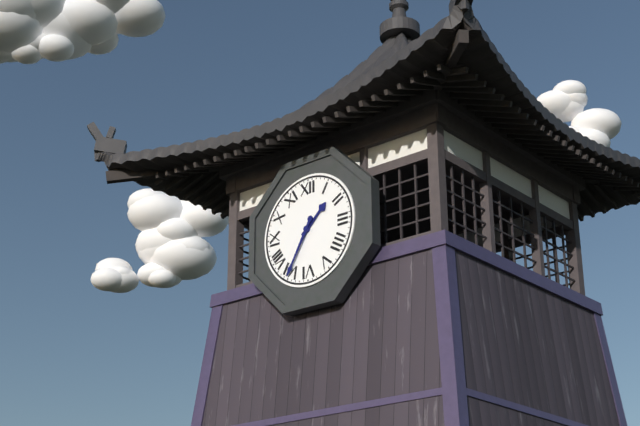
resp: 1h35
